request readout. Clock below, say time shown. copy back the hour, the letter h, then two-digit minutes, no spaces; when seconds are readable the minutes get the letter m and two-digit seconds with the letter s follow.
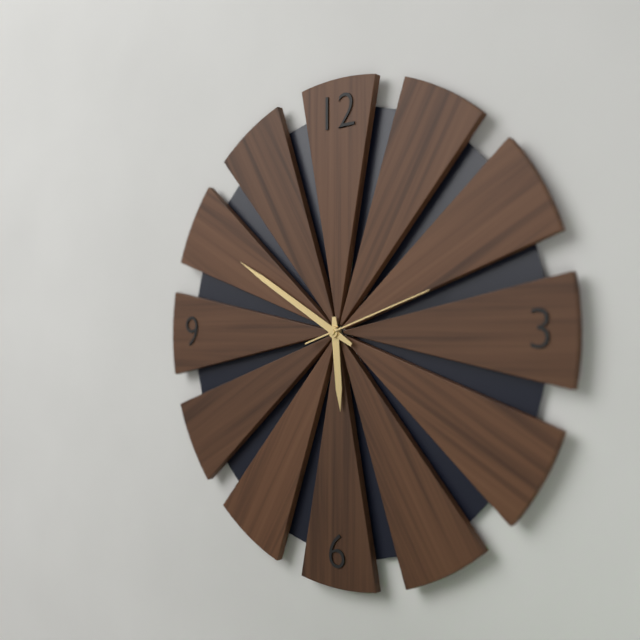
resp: 5h50m12s
